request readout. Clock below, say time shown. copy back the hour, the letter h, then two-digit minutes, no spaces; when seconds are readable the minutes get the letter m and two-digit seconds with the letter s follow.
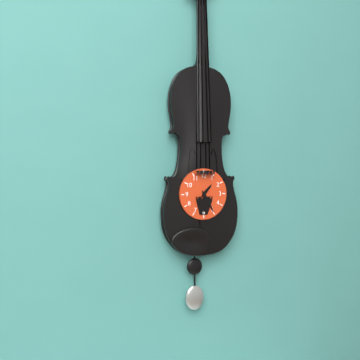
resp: 1h25
